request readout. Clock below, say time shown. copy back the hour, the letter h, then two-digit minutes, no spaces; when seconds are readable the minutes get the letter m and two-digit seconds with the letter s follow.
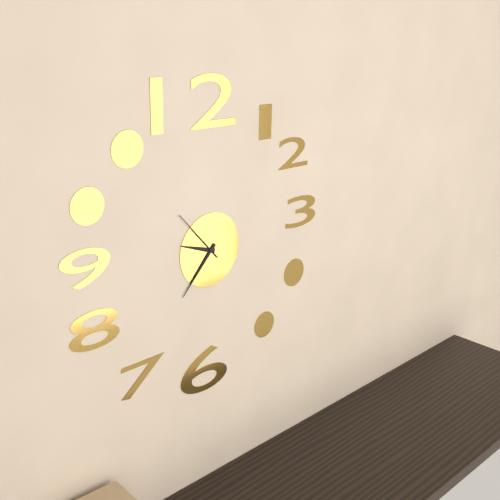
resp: 9h37m53s
